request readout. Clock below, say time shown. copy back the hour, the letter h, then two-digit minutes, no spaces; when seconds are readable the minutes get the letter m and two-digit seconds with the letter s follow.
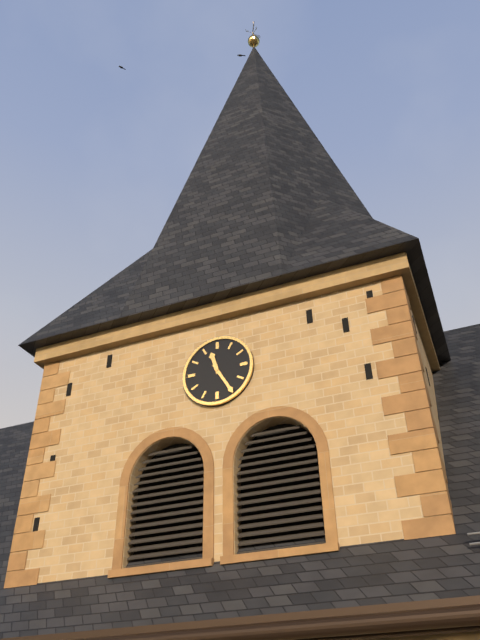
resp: 11h25
